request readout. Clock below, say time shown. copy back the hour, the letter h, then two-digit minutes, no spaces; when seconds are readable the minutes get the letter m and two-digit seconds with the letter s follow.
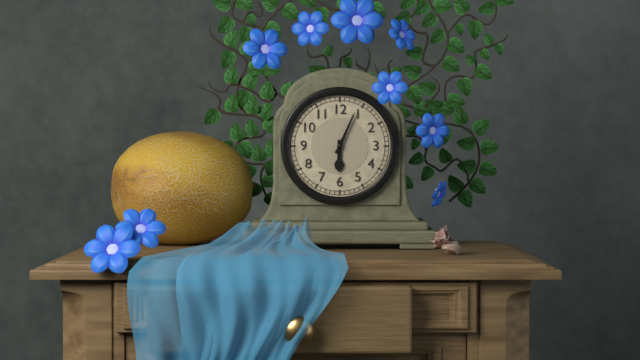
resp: 6h04
